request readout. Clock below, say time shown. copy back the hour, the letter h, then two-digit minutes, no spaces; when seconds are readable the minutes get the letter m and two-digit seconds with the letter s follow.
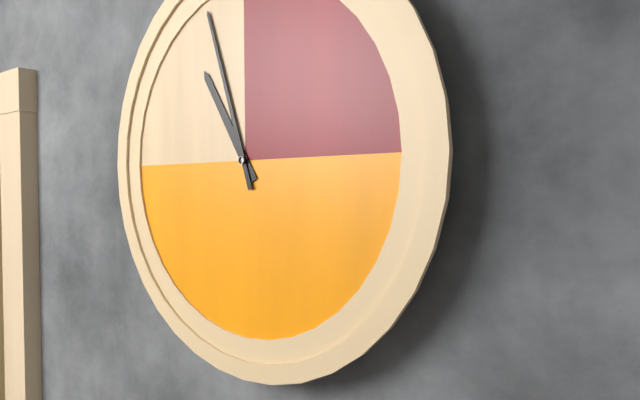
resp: 10h57
